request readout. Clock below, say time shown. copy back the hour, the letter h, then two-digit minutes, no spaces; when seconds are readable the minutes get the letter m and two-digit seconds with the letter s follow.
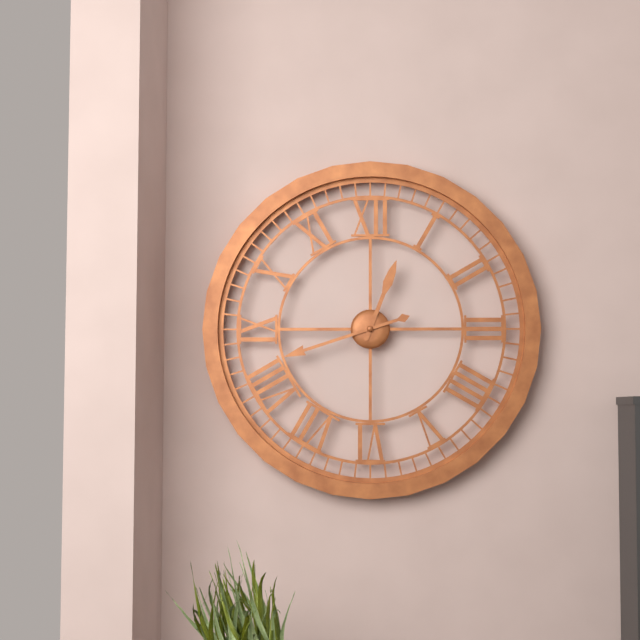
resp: 12h42
